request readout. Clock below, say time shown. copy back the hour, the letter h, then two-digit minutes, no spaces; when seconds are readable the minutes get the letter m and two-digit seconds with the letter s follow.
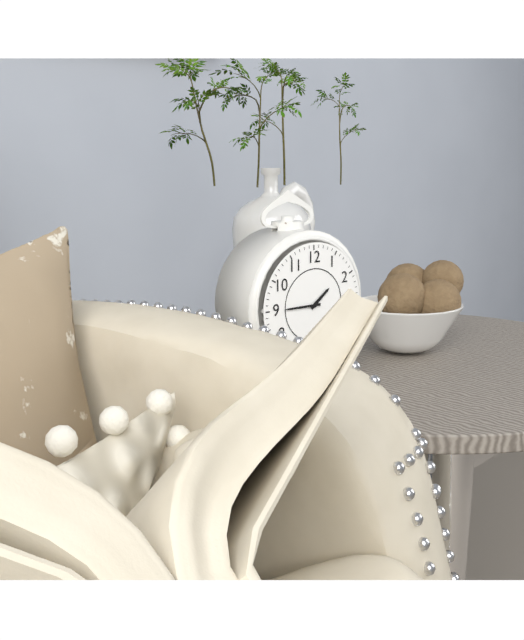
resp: 1h45
